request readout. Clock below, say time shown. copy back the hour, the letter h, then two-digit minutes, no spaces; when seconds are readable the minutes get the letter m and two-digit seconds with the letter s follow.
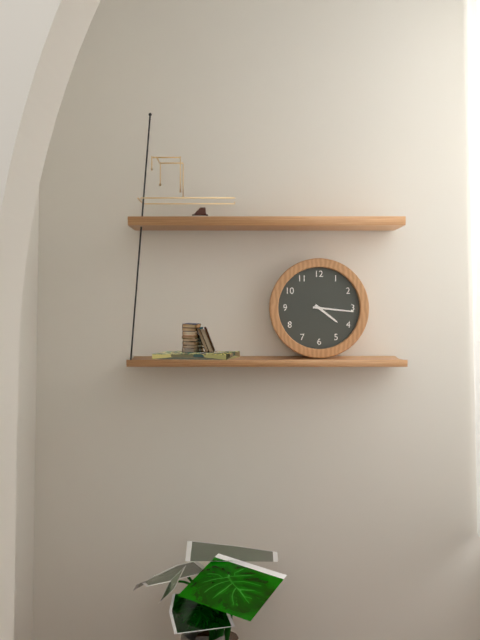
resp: 4h16
